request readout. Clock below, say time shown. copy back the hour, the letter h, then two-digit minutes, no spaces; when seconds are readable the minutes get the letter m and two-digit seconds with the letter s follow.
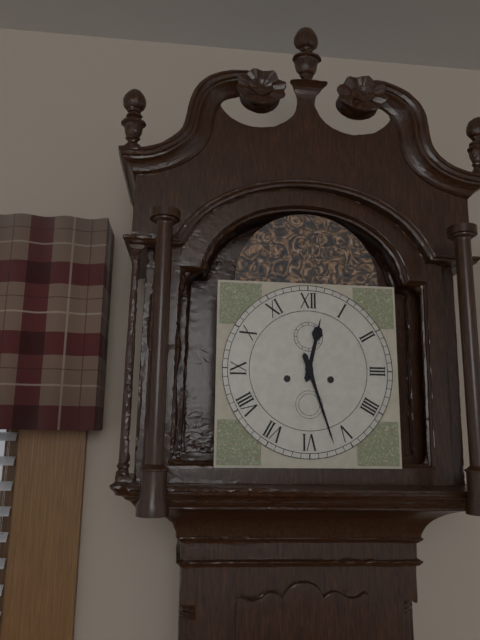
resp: 12h27
